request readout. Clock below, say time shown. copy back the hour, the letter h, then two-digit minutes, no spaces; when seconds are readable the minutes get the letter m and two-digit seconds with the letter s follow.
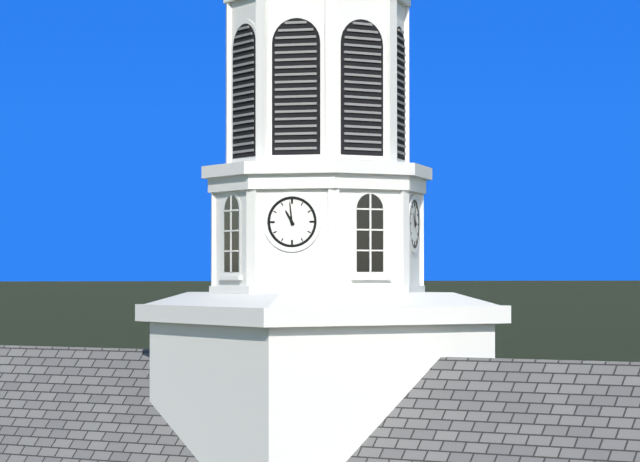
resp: 10h59
